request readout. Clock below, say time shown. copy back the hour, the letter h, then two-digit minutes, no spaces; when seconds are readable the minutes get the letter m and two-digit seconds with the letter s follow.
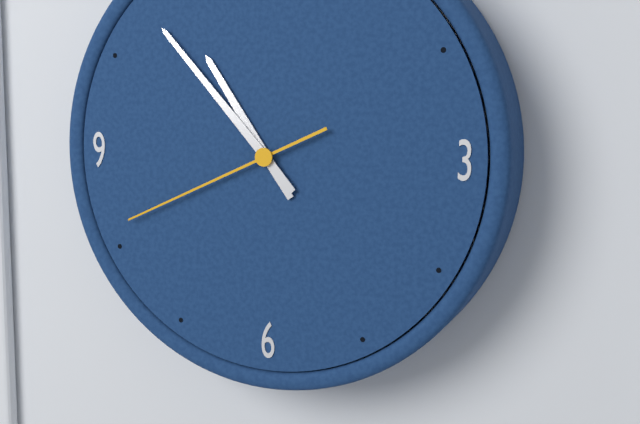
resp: 10h53m41s
